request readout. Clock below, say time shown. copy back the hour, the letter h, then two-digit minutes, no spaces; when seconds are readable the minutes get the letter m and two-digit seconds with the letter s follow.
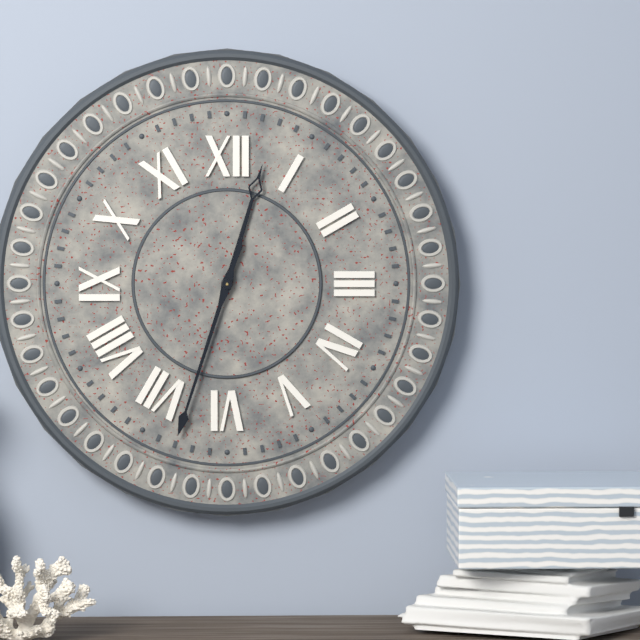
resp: 12h33
